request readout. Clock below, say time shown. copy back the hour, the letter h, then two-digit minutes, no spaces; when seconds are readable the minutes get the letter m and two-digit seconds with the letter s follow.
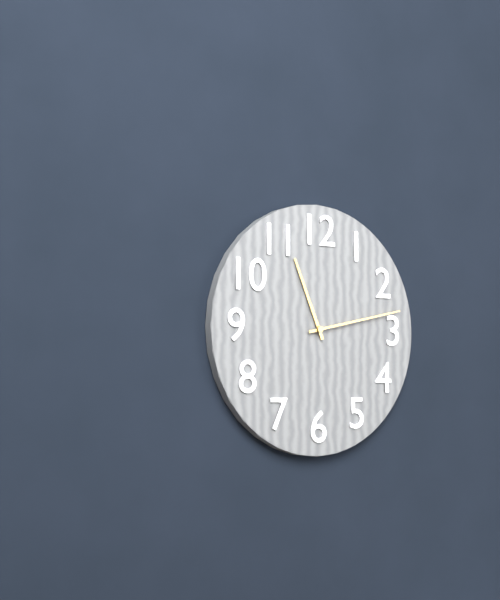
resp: 11h13
